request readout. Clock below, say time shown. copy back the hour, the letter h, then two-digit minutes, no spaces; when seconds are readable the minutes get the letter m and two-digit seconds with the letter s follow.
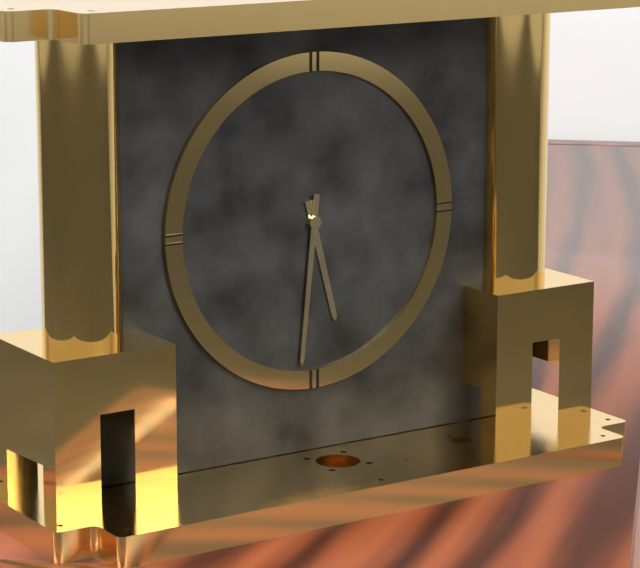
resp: 5h31
